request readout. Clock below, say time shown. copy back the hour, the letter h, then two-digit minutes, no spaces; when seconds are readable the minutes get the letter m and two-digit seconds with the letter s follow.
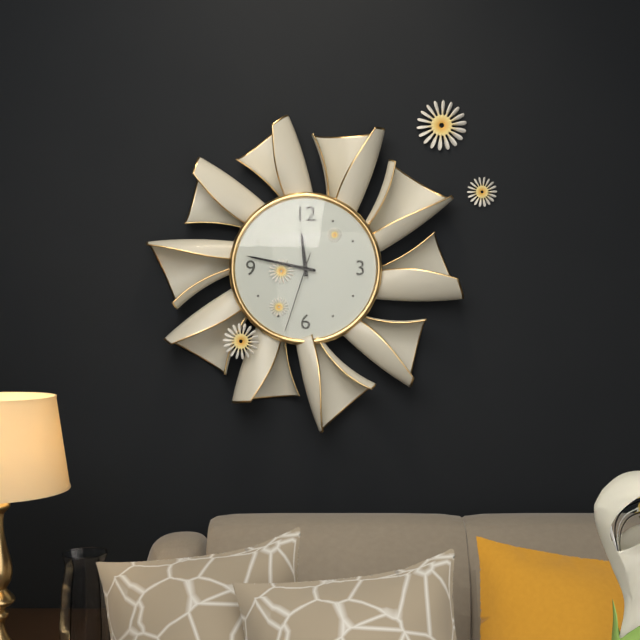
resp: 11h47m33s
